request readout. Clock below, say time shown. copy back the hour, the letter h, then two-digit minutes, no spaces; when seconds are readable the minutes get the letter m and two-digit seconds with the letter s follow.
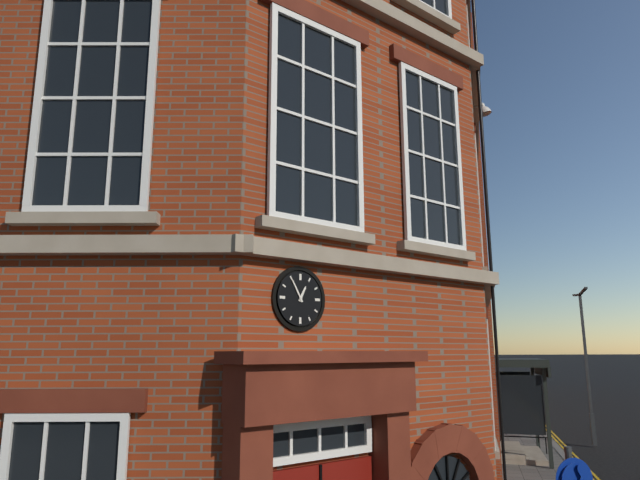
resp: 12h55
